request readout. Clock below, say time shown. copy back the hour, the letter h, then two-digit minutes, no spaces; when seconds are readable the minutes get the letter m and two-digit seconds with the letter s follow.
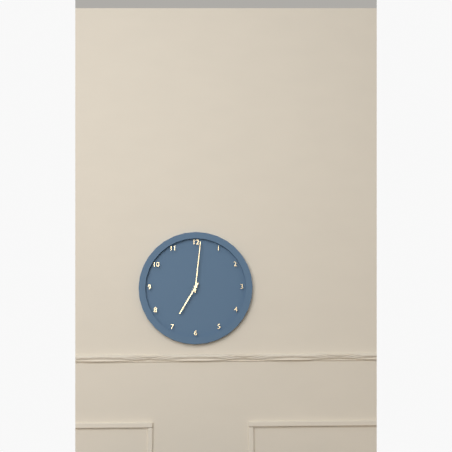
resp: 7h01
